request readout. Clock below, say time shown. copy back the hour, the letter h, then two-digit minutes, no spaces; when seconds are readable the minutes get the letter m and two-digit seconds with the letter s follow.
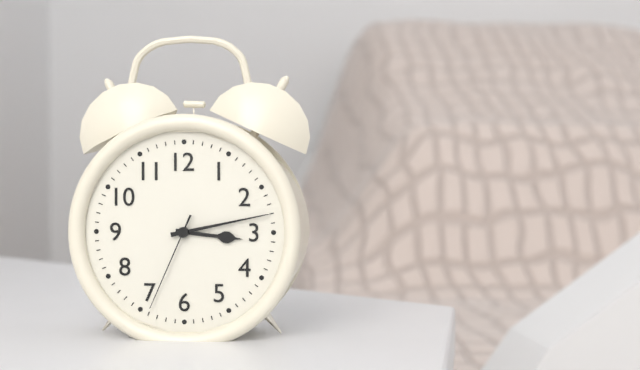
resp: 3h13m34s
